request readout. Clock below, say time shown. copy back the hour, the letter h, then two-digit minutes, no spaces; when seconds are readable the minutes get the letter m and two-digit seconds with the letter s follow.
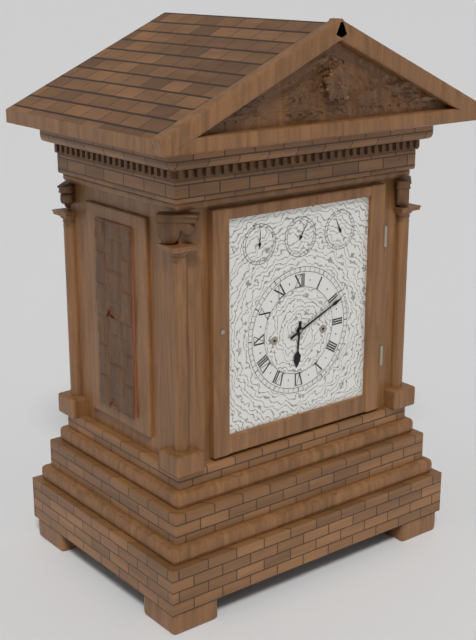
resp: 6h11
